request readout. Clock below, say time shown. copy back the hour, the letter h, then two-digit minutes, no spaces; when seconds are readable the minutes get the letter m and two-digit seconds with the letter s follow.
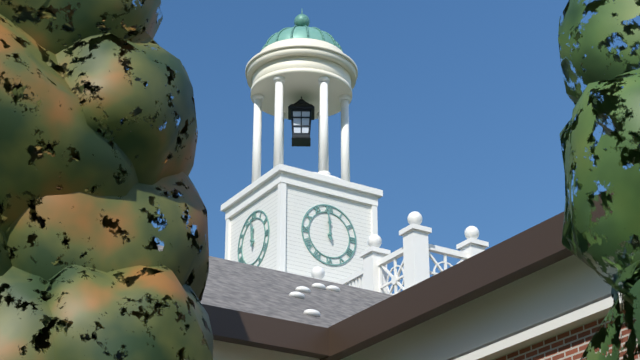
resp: 11h59
